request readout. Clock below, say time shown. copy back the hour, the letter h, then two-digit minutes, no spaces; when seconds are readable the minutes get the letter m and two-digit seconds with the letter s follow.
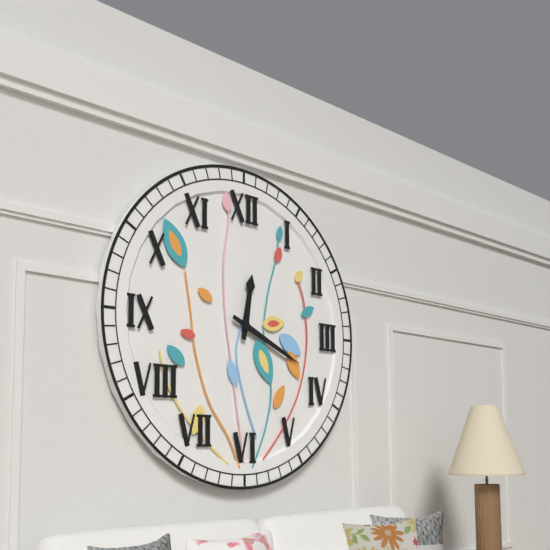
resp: 12h19
